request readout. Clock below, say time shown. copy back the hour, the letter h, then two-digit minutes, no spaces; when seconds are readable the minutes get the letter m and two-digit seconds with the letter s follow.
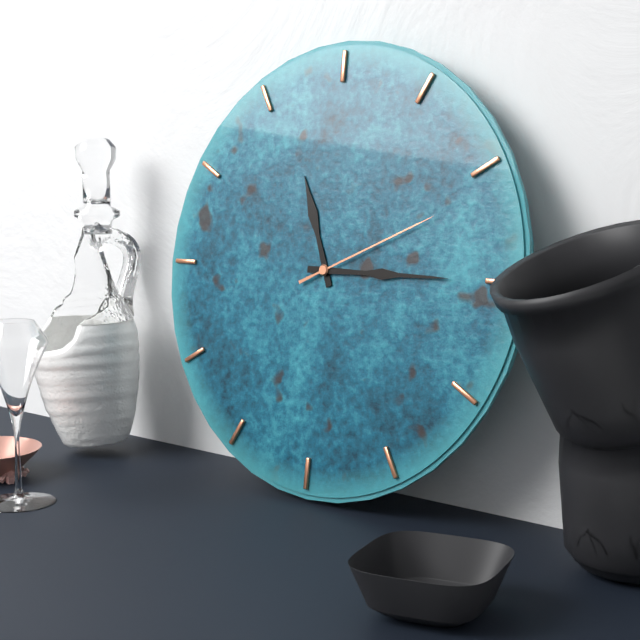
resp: 11h15m11s
